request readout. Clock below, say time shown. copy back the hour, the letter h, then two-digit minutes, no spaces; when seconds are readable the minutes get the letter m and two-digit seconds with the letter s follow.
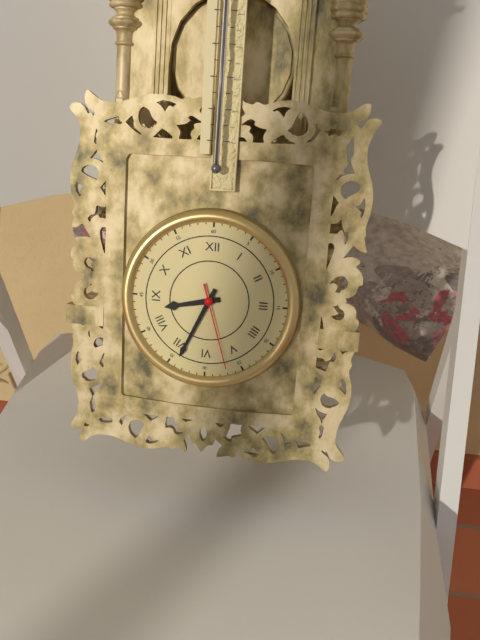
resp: 8h34m27s
